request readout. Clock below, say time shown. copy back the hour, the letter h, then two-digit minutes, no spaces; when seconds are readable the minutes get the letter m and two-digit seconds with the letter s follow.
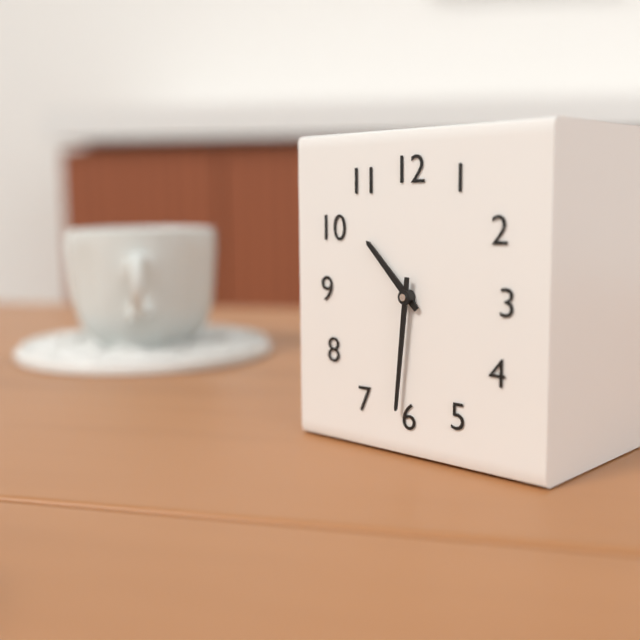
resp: 10h31
